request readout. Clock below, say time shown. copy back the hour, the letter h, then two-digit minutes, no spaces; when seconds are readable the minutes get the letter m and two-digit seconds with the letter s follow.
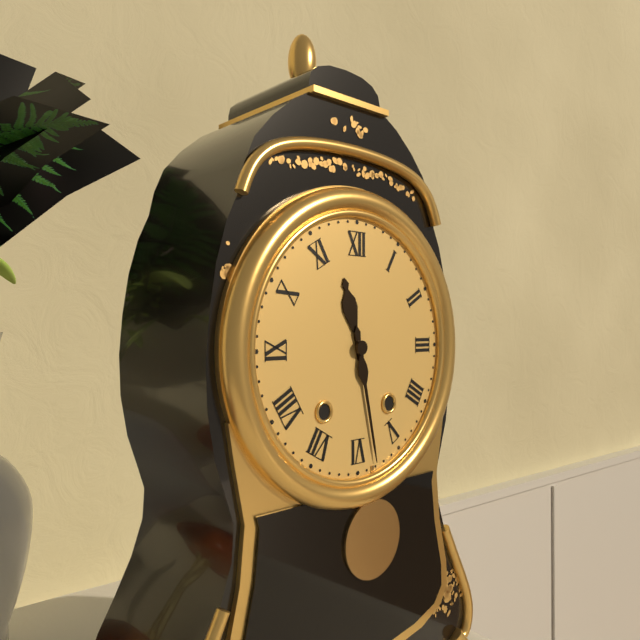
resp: 11h28
